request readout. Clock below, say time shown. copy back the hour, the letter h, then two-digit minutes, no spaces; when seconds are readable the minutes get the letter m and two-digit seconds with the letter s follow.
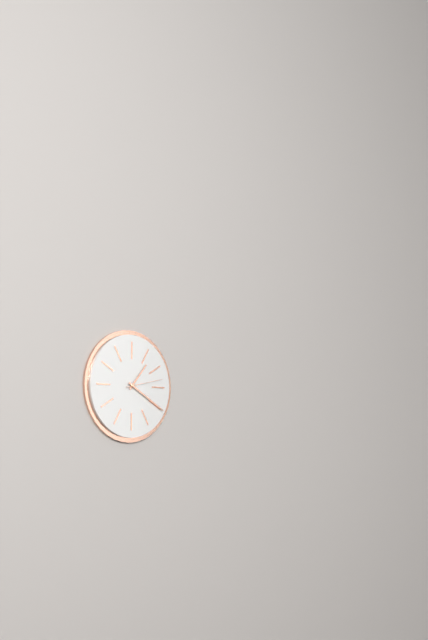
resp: 1h20
